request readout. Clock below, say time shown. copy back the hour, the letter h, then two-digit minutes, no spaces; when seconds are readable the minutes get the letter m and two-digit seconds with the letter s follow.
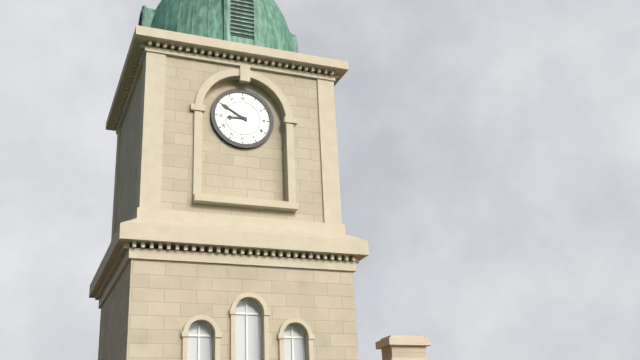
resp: 8h50
